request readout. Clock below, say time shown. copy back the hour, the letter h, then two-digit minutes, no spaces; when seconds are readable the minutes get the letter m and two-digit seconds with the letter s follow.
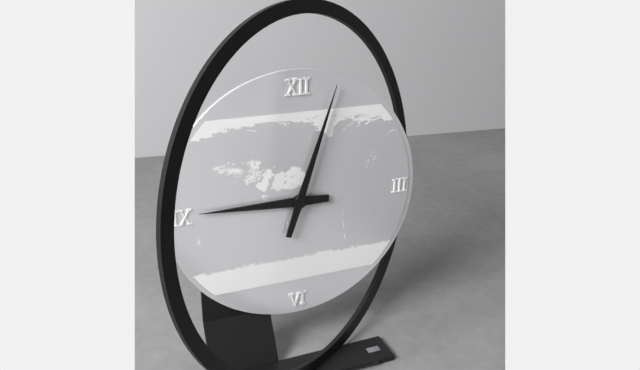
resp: 9h03
